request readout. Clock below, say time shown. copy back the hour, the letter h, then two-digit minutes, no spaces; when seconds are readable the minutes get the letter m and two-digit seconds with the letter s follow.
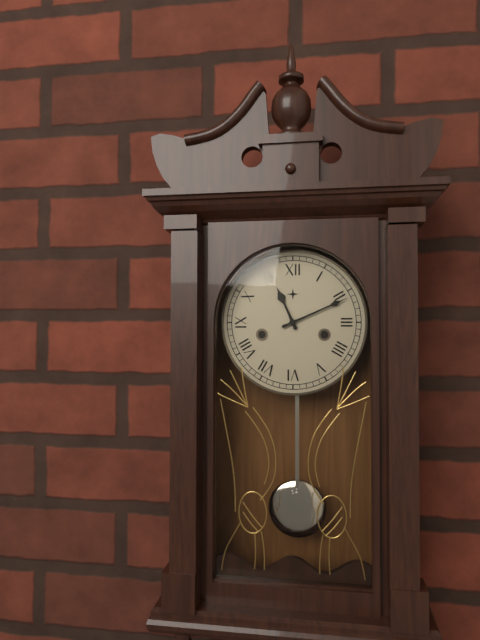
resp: 11h11
